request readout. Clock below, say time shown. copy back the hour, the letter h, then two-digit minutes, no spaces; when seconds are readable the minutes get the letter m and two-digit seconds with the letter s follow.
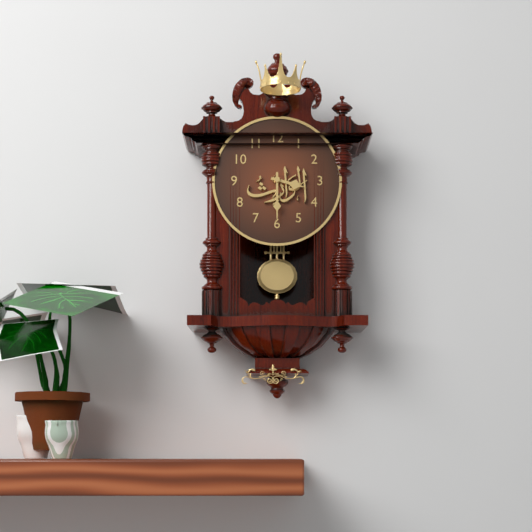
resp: 3h30
